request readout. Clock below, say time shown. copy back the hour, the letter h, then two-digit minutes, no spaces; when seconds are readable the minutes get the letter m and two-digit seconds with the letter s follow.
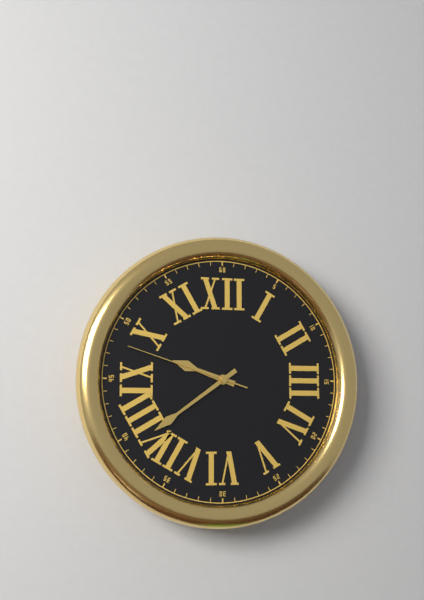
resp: 9h39m48s
